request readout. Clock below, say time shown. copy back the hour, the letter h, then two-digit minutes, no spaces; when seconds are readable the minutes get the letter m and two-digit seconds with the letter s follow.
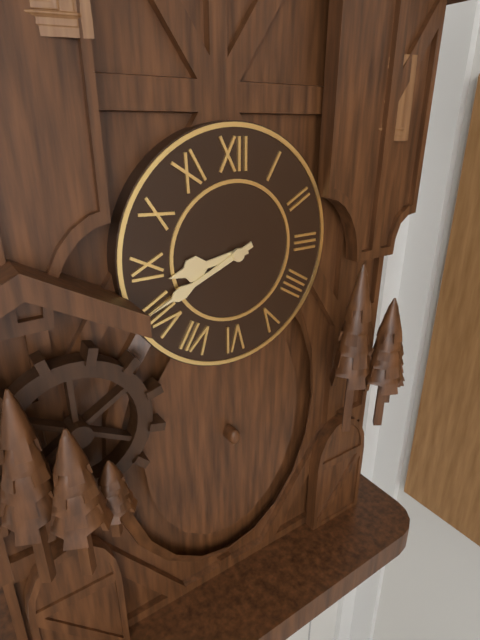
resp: 8h41
